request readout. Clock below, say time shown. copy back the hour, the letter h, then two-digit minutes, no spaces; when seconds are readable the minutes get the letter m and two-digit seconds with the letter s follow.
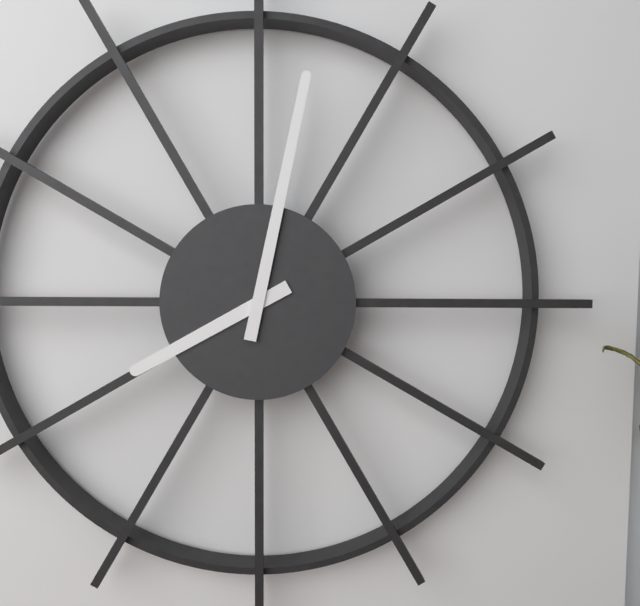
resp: 8h02
